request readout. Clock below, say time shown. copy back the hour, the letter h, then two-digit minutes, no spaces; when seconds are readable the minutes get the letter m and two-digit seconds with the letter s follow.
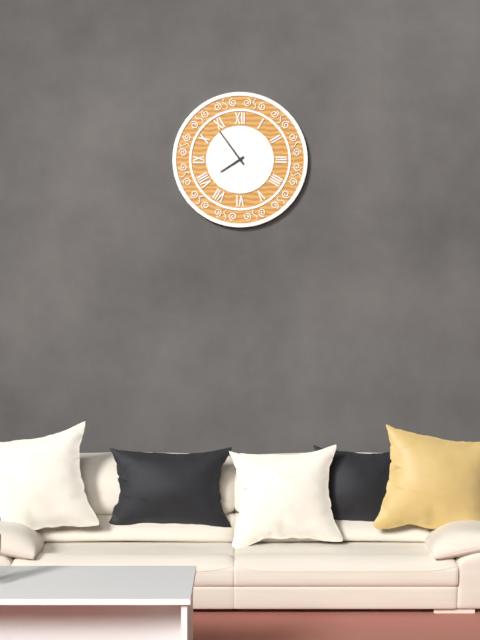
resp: 7h54
